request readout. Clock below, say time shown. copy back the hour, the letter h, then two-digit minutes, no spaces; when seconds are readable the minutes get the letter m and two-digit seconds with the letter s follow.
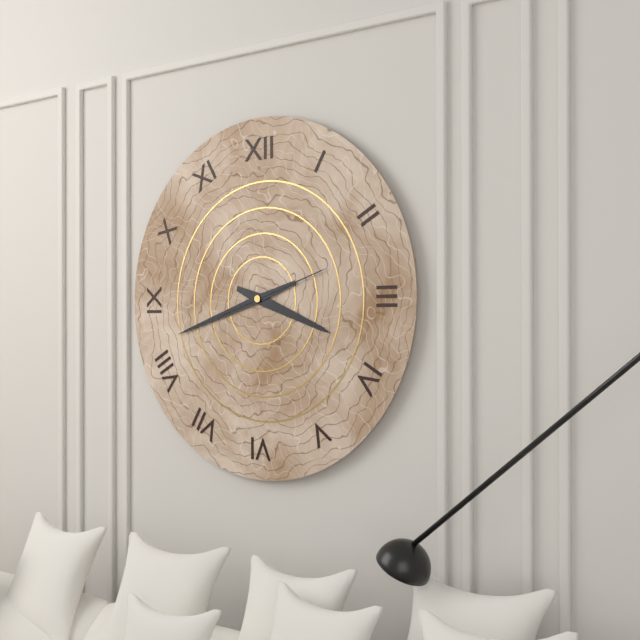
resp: 3h42m12s
